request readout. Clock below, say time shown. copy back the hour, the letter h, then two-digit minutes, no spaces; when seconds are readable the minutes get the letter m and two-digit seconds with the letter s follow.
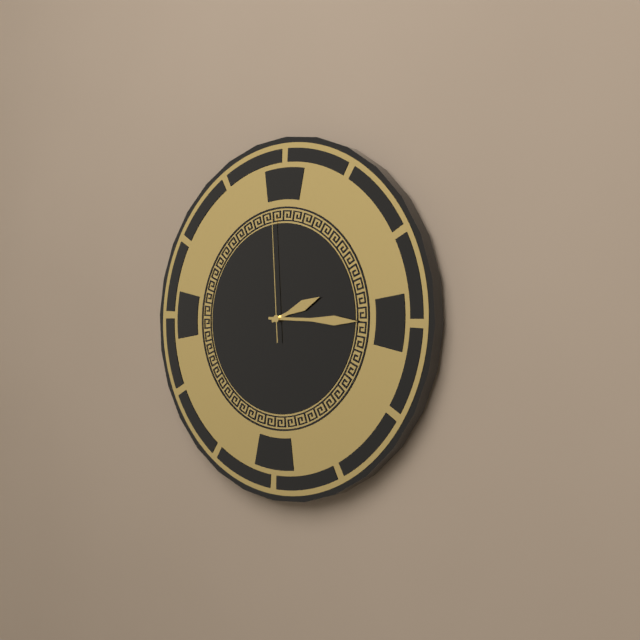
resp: 2h15m59s
